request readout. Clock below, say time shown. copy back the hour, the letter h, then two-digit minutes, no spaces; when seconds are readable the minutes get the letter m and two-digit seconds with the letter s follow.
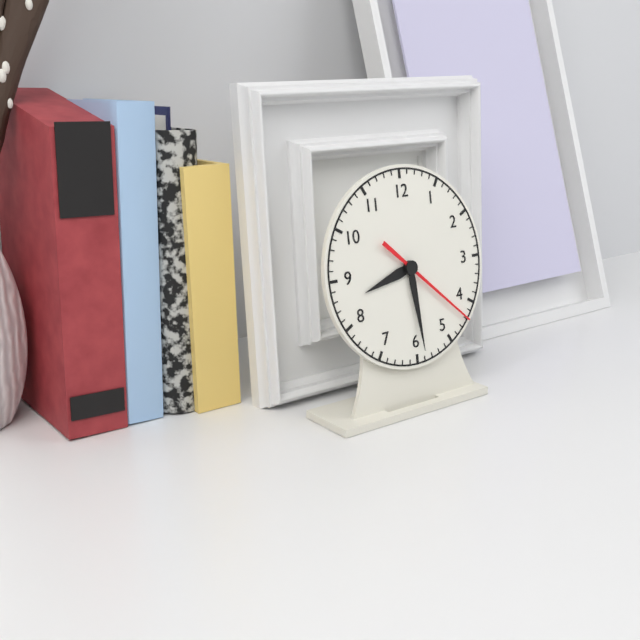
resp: 8h29m22s
